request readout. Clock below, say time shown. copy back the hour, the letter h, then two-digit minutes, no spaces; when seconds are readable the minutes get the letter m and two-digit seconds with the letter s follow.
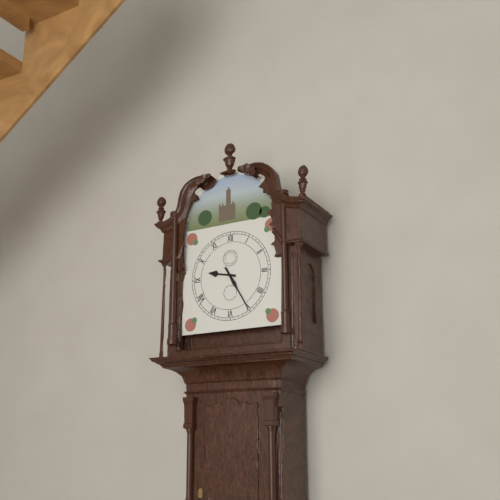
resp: 9h25
